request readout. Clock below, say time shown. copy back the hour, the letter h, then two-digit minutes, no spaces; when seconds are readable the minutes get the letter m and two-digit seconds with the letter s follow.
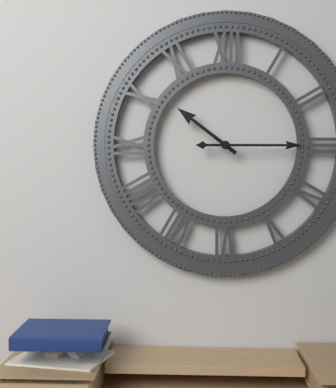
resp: 10h15
